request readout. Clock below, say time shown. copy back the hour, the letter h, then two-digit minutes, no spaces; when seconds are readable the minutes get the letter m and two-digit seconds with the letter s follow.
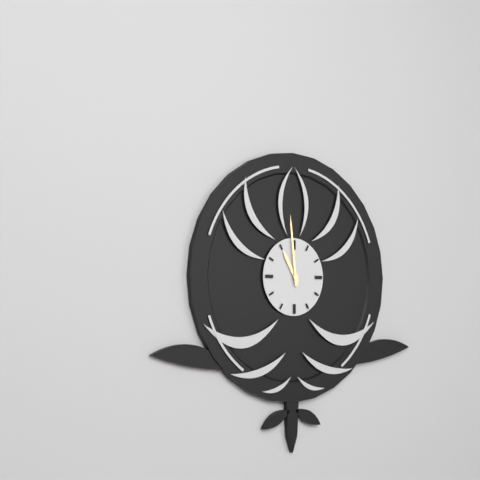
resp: 10h59
